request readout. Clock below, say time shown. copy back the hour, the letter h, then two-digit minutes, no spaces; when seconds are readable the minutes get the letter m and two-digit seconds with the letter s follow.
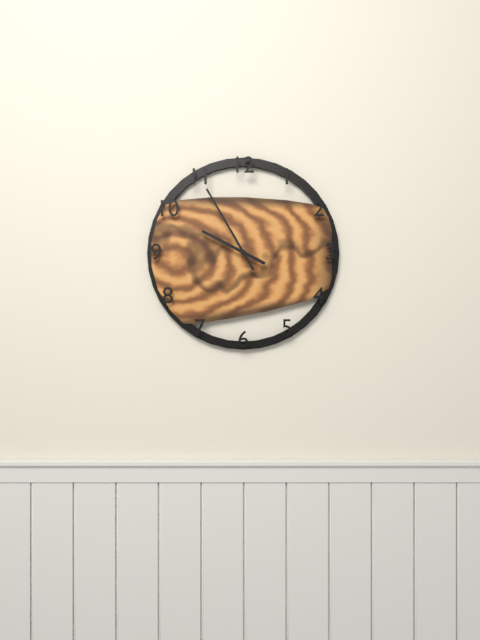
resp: 9h55
